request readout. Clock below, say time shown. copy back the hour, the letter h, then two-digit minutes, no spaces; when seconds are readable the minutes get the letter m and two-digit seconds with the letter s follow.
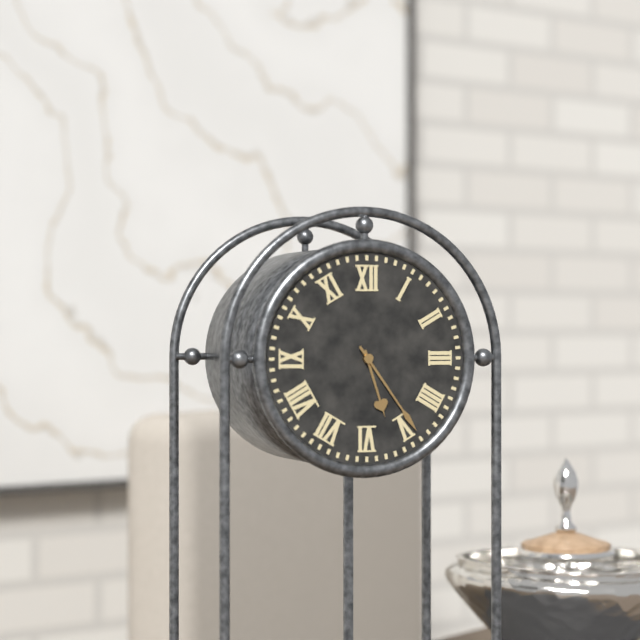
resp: 5h24
